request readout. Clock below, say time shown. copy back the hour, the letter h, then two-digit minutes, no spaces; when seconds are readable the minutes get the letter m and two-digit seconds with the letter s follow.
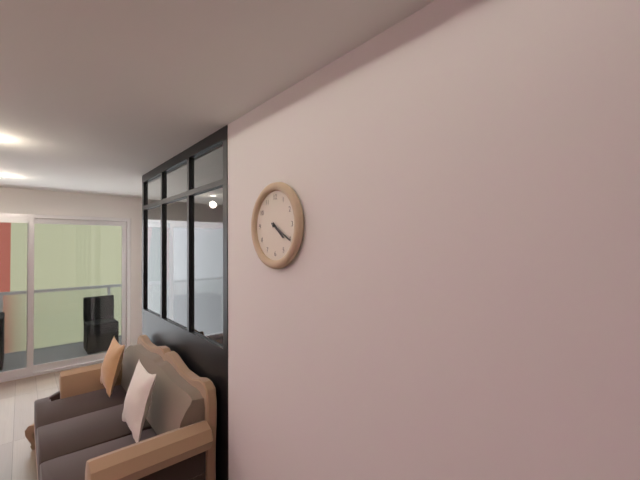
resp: 4h20
